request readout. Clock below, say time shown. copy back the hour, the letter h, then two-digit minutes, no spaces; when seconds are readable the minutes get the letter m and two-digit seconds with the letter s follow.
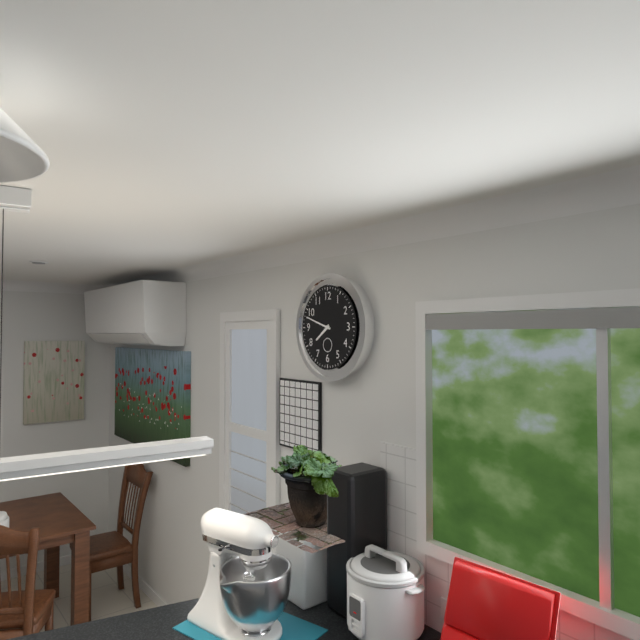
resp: 7h48
